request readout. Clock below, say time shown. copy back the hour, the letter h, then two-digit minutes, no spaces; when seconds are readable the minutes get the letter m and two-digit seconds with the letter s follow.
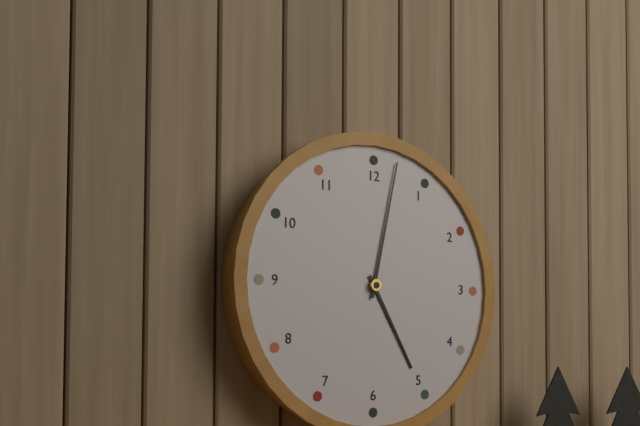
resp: 5h02
